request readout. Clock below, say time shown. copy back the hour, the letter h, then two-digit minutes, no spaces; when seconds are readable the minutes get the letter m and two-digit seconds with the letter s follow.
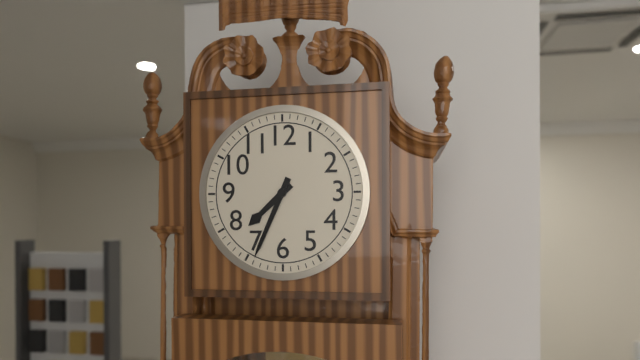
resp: 7h34
